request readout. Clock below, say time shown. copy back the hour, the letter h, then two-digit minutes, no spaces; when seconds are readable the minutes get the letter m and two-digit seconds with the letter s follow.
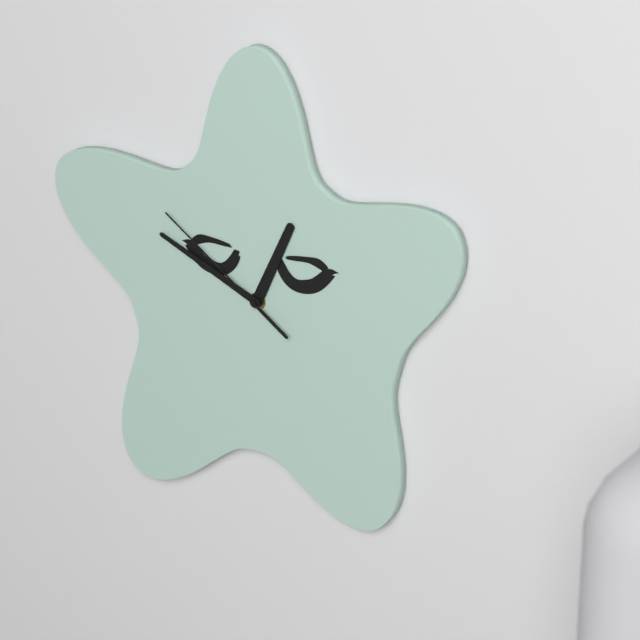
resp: 12h49m51s
